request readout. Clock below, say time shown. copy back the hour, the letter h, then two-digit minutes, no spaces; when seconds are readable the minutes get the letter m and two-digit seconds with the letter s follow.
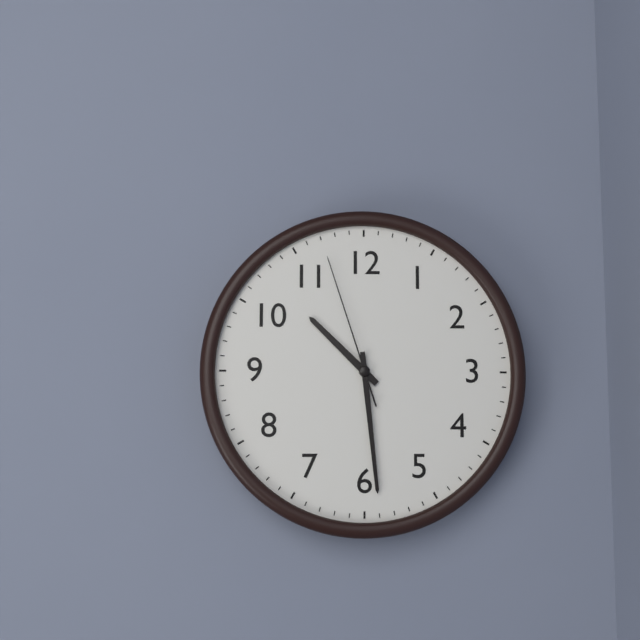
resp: 10h29m57s
